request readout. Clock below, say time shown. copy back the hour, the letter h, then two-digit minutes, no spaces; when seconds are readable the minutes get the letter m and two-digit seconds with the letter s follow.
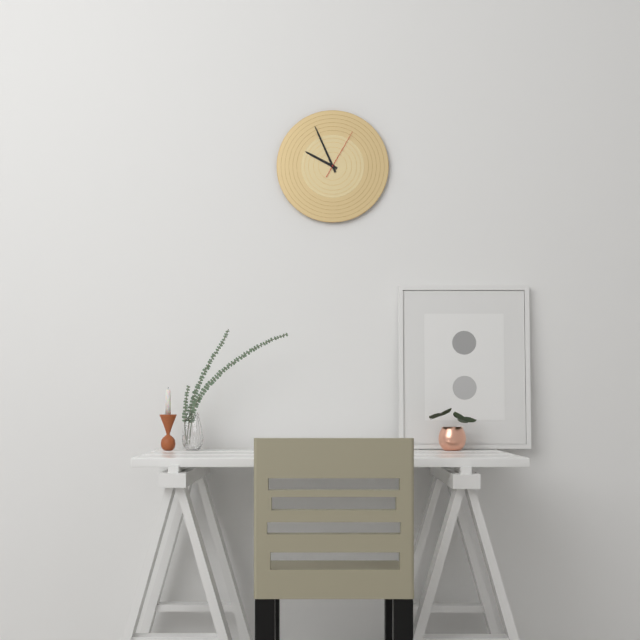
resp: 9h56m05s
